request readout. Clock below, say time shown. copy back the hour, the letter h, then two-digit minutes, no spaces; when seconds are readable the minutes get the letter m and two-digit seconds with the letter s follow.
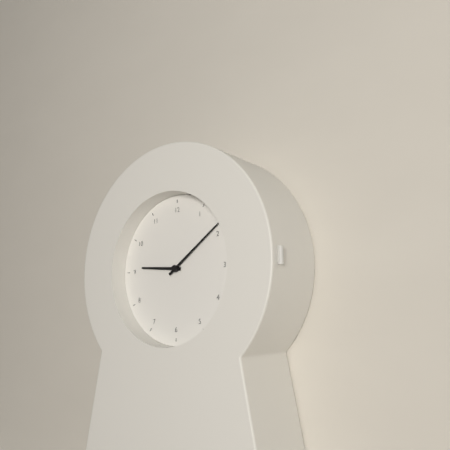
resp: 9h09
